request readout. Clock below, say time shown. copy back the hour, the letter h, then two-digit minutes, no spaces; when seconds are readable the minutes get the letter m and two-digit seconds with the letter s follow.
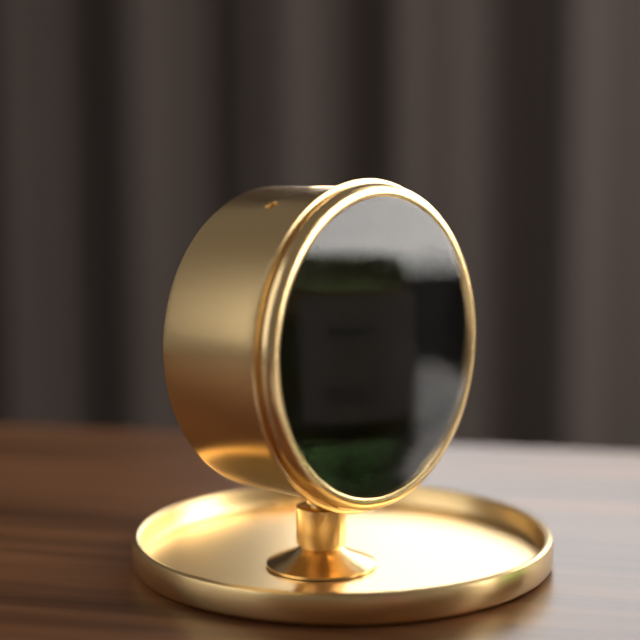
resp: 3h14m41s
